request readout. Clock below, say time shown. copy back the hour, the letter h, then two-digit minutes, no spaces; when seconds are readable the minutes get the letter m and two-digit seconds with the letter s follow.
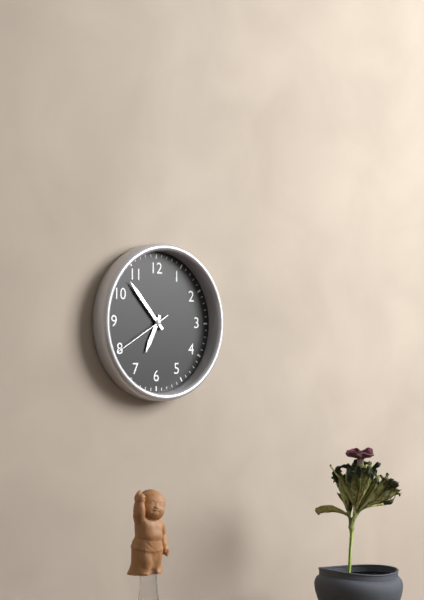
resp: 6h53m40s
